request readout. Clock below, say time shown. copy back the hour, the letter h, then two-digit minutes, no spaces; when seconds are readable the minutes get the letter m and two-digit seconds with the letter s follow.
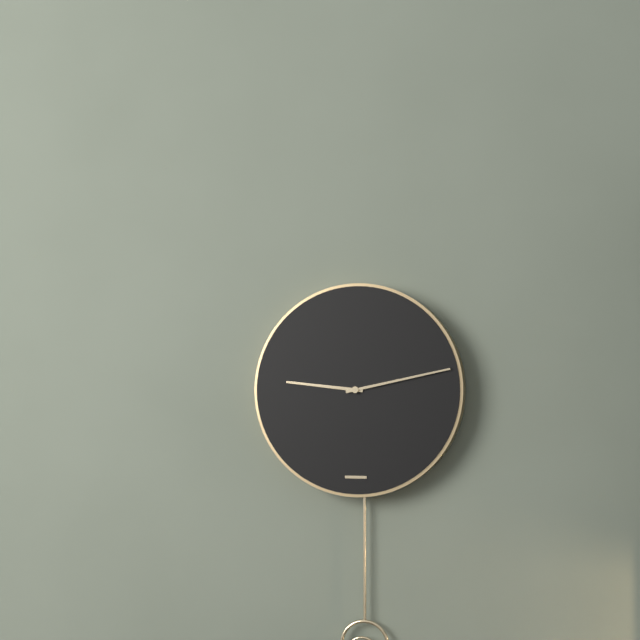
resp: 9h13
